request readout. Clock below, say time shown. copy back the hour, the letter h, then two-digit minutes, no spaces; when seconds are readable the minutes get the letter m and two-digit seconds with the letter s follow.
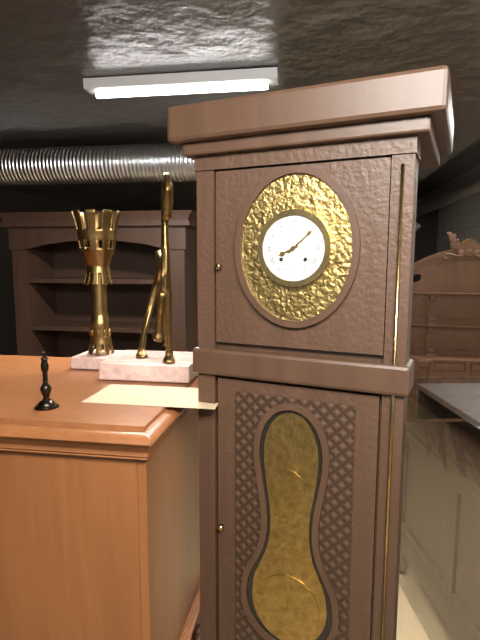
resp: 8h08
